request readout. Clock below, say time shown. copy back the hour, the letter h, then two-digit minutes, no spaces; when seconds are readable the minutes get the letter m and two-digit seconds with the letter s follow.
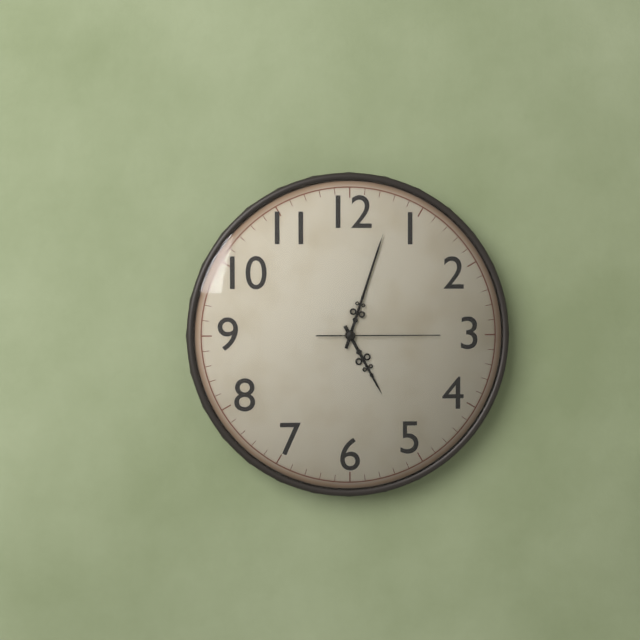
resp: 5h03m15s
